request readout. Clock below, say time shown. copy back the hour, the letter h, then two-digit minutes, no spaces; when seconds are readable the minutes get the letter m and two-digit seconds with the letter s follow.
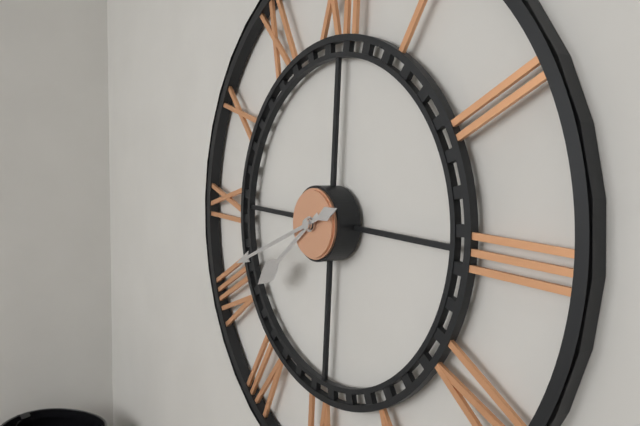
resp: 7h41
